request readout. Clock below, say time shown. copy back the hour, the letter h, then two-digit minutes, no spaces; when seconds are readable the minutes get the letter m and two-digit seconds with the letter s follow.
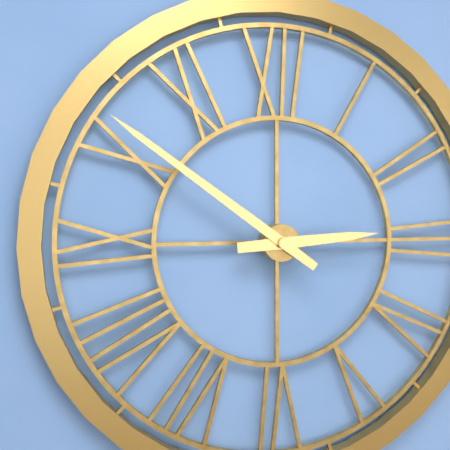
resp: 2h51
